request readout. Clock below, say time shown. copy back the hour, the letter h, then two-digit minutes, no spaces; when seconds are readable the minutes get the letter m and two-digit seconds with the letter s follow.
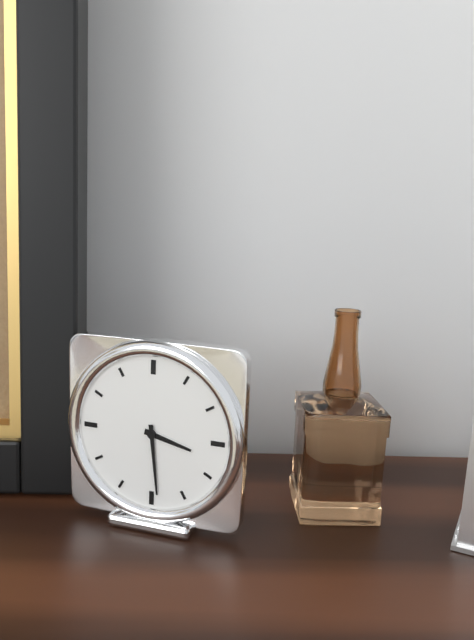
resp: 3h29
